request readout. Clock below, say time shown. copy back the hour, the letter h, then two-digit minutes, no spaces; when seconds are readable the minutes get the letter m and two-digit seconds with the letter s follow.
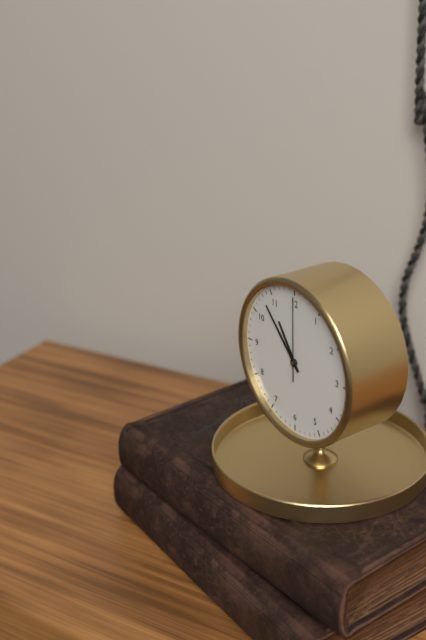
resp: 10h53m00s
